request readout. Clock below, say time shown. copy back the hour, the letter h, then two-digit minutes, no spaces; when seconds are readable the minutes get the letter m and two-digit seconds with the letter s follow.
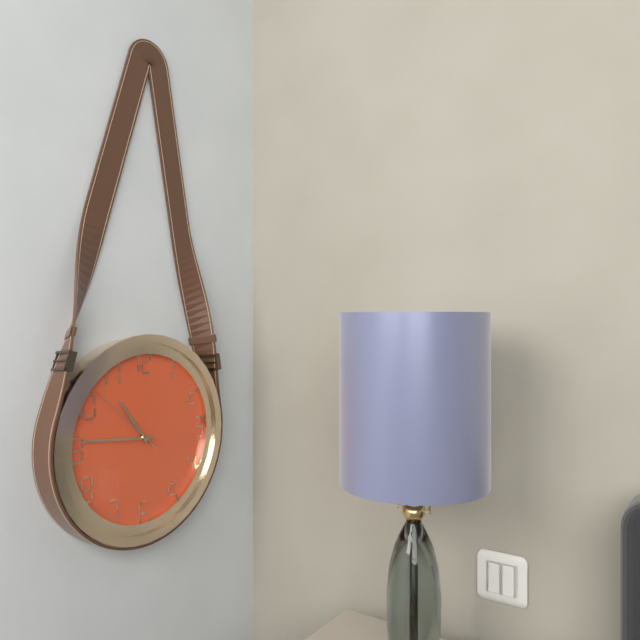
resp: 10h46m52s
